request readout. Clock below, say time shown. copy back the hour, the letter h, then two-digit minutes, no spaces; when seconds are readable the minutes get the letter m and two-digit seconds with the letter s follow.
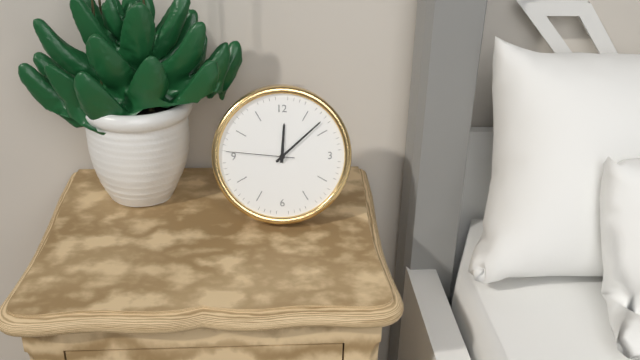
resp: 12h08m46s
